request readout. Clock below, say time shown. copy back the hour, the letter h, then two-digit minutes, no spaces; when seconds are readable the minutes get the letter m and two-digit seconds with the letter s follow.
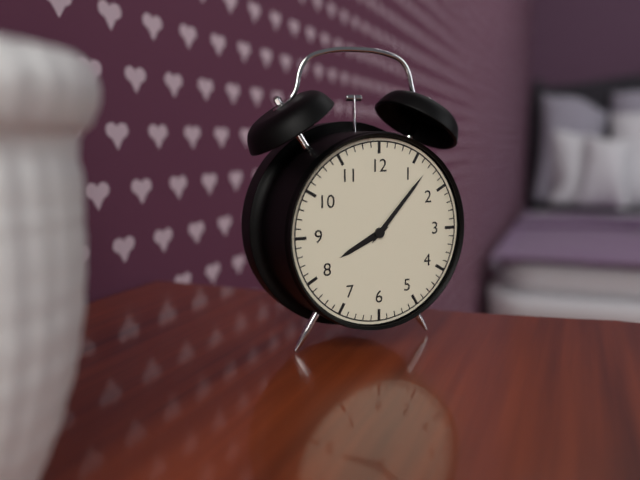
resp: 8h07
